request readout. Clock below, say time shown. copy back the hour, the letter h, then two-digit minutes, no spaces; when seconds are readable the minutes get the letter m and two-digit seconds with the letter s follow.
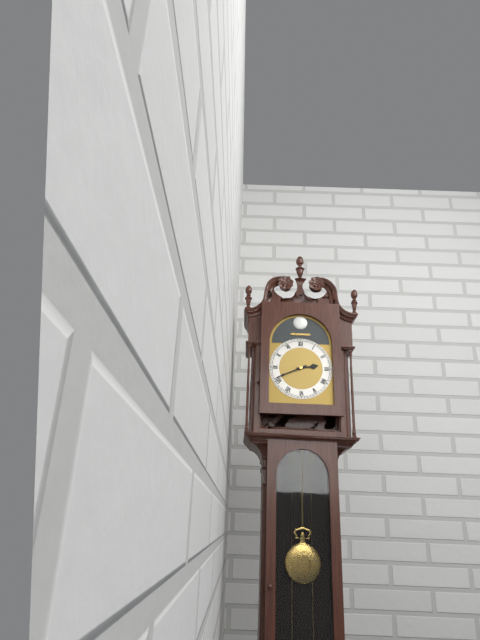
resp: 2h41
